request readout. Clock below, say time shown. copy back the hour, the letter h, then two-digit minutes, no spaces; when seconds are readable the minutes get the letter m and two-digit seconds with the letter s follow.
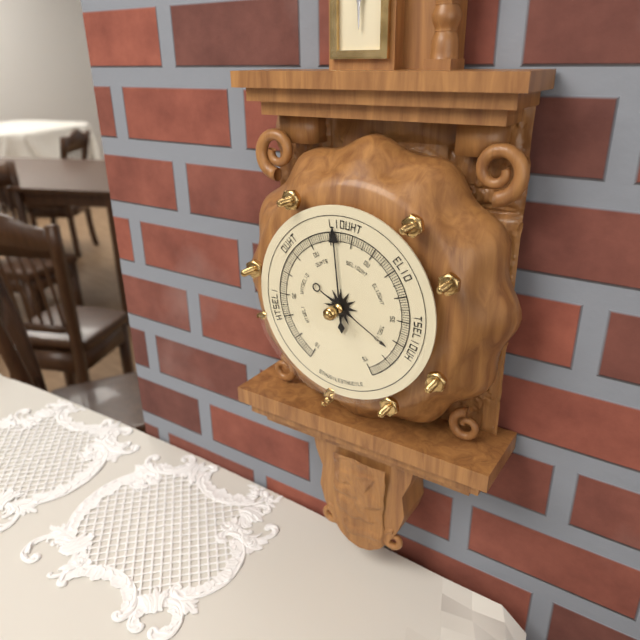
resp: 3h59
